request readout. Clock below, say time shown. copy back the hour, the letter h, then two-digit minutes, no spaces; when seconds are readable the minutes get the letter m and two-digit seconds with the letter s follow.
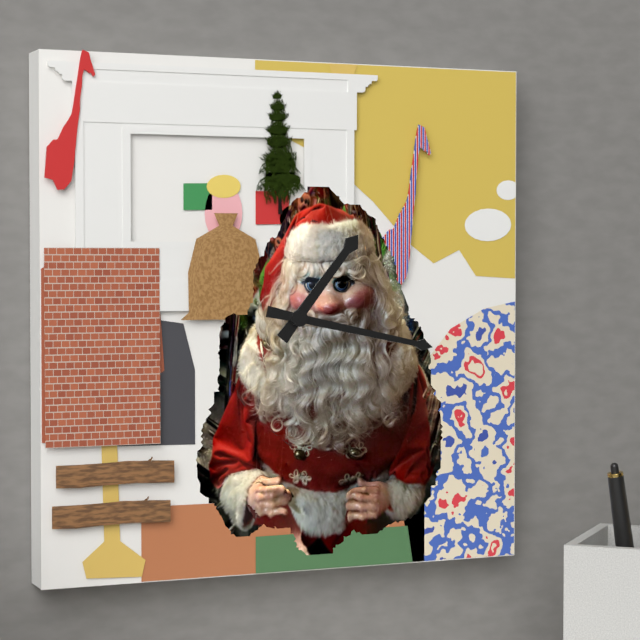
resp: 1h17
